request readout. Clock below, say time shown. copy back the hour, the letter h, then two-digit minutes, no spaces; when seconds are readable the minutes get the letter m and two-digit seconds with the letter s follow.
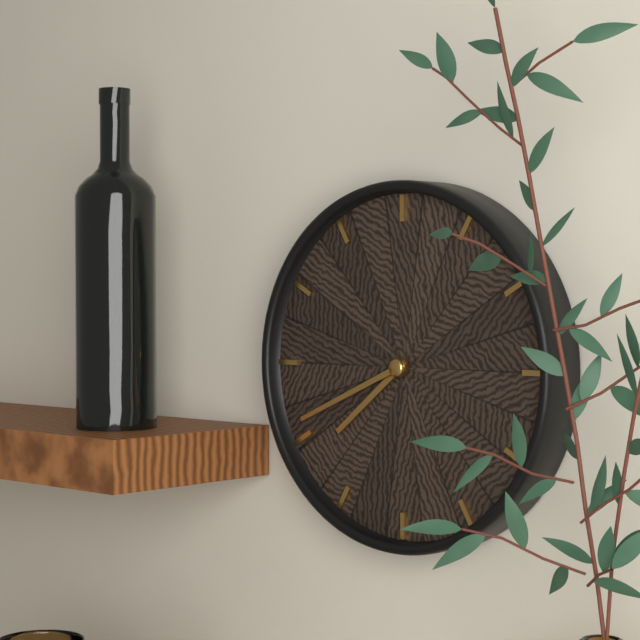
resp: 7h41
